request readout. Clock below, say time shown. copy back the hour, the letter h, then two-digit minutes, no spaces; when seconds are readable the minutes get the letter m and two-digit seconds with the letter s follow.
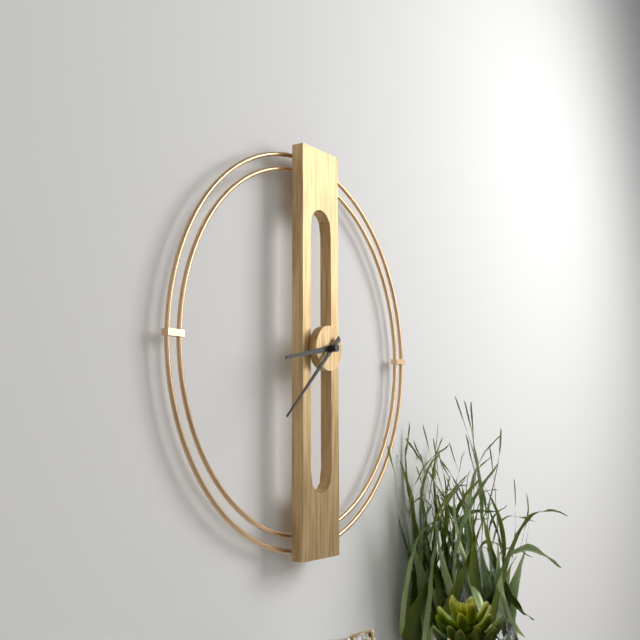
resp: 8h38
